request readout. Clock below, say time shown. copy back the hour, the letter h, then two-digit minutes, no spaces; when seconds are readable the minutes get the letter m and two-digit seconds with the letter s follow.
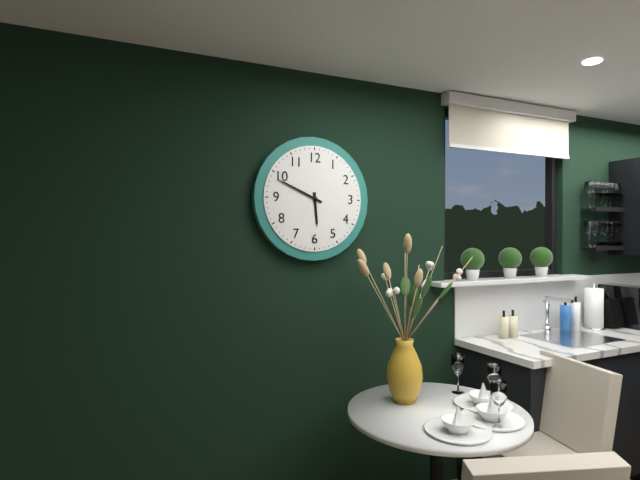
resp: 5h49
